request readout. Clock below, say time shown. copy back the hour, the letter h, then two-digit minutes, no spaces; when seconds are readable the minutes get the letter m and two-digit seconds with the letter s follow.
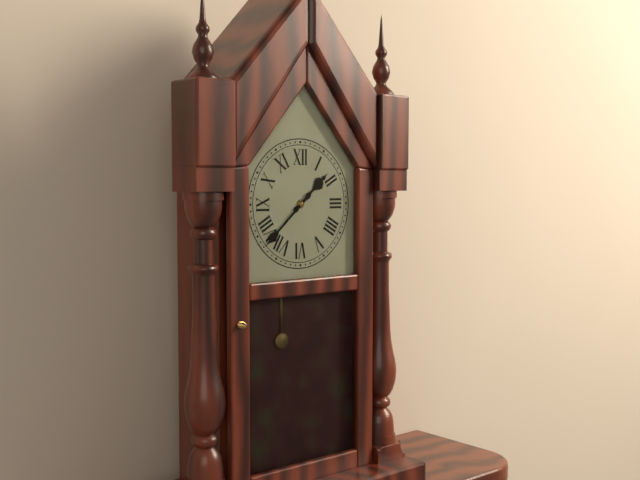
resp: 1h38
